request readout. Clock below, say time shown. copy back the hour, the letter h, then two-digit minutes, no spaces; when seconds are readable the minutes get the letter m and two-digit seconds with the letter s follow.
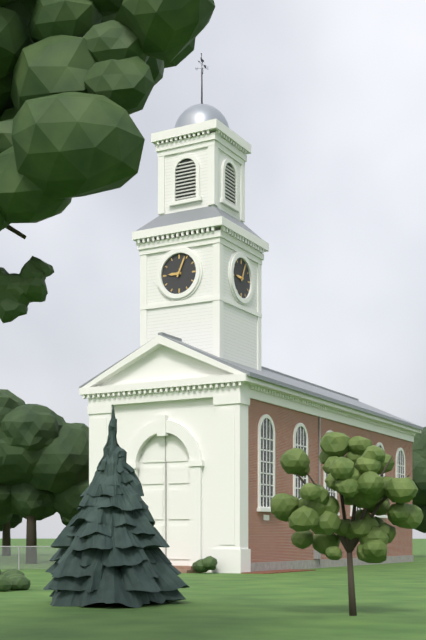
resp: 9h04
